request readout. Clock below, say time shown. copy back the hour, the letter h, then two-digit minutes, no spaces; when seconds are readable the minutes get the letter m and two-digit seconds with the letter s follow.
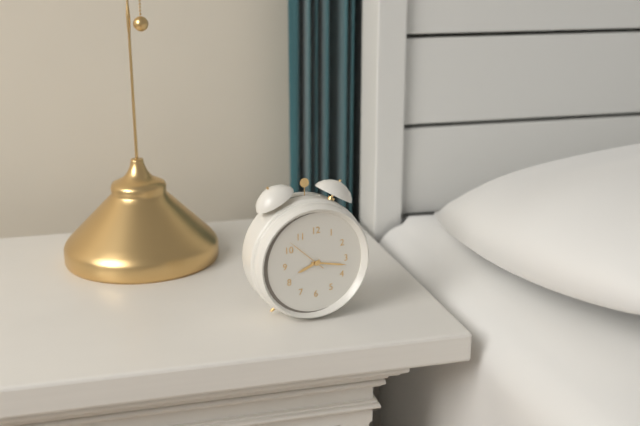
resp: 8h17
